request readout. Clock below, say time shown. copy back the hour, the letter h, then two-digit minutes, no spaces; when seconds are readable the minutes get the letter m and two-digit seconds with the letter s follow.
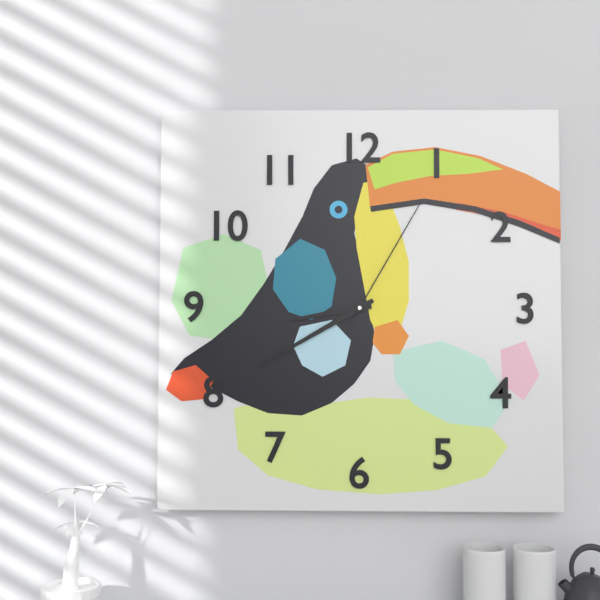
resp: 8h40m05s
